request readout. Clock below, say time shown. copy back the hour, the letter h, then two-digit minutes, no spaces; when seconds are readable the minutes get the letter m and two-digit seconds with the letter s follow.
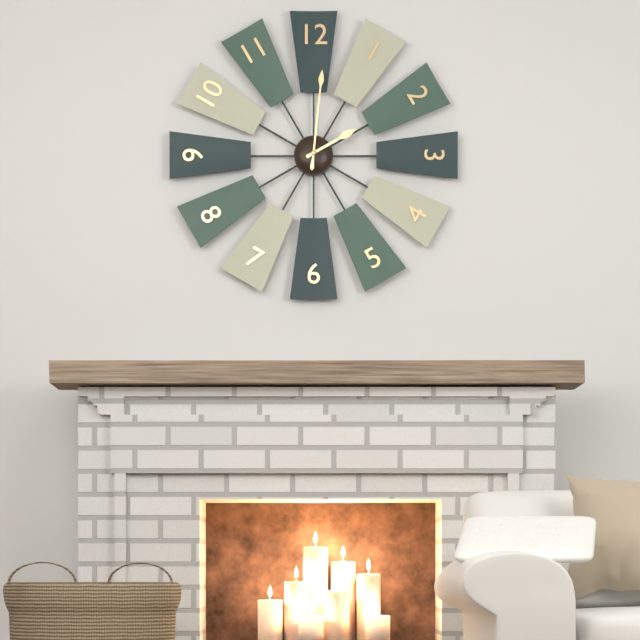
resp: 2h01
